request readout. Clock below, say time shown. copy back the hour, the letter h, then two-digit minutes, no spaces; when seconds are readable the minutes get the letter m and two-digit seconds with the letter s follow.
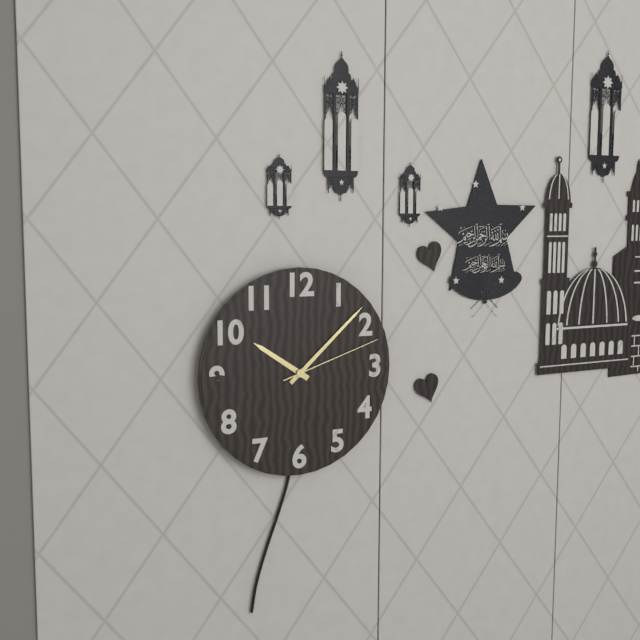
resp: 10h08m12s
